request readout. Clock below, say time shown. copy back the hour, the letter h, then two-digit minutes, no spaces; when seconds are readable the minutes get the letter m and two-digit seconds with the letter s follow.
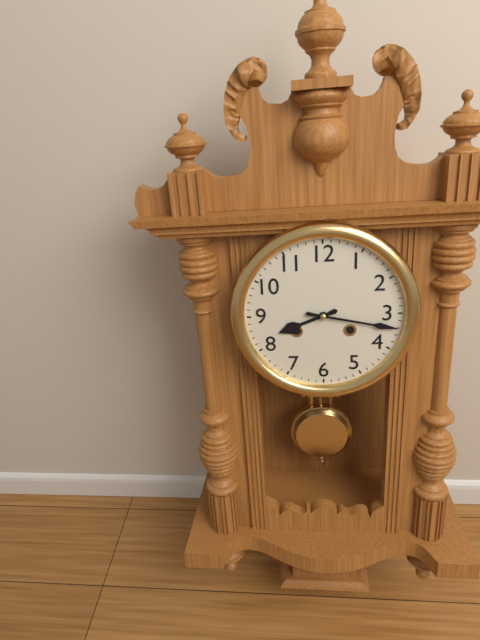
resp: 8h17
